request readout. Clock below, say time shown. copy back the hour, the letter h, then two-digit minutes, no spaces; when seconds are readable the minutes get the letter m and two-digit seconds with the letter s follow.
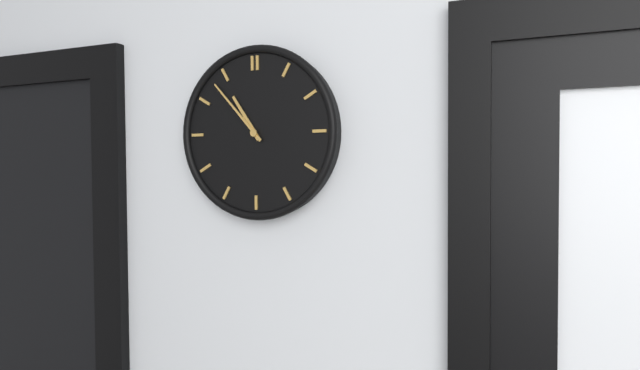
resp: 10h53
